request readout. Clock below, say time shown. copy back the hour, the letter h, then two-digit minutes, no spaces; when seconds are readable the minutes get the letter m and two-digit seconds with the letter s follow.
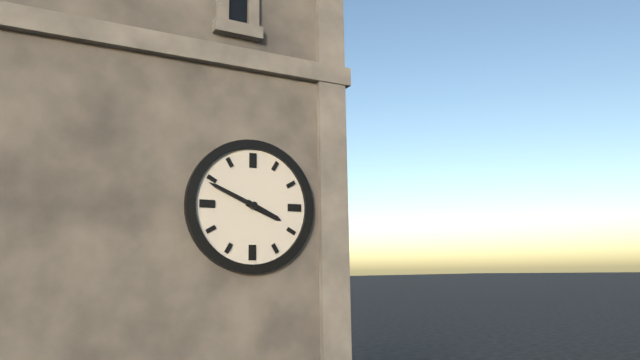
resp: 3h49
